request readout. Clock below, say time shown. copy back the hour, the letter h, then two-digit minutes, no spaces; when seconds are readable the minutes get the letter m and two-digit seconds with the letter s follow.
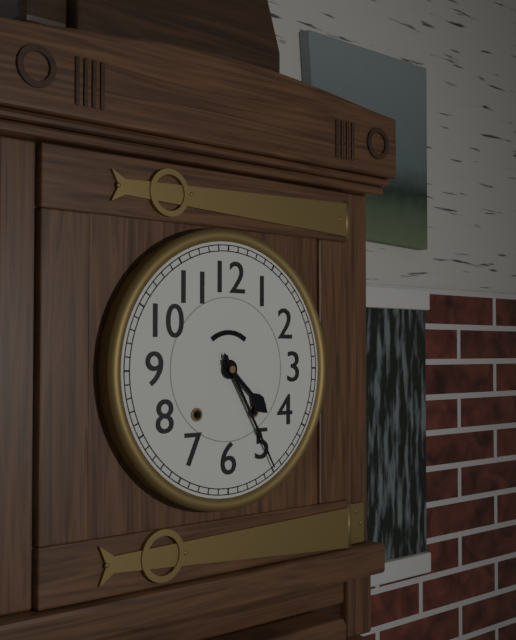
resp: 4h25
